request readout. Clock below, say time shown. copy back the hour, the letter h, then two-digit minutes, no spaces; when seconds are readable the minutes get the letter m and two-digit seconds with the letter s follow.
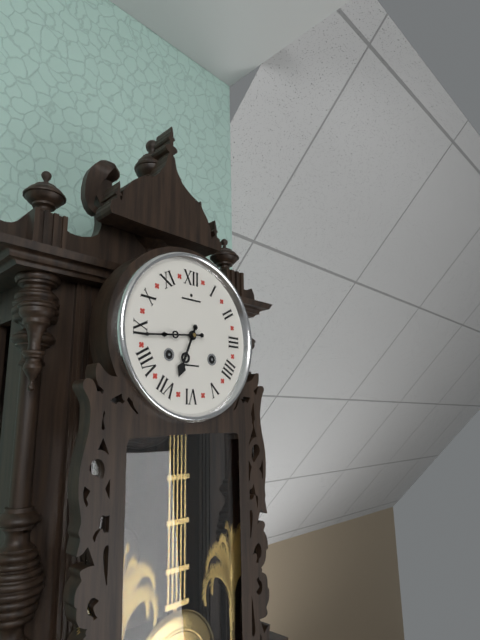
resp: 6h44
